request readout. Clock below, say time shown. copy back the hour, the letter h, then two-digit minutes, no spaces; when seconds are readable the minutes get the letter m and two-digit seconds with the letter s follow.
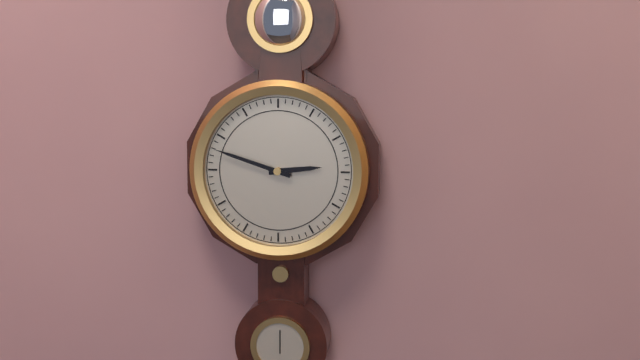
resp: 2h48
